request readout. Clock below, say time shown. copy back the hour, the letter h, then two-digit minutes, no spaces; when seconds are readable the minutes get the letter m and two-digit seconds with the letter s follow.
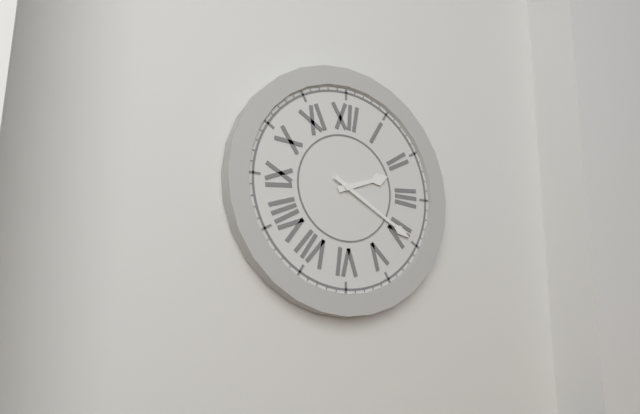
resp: 2h20
